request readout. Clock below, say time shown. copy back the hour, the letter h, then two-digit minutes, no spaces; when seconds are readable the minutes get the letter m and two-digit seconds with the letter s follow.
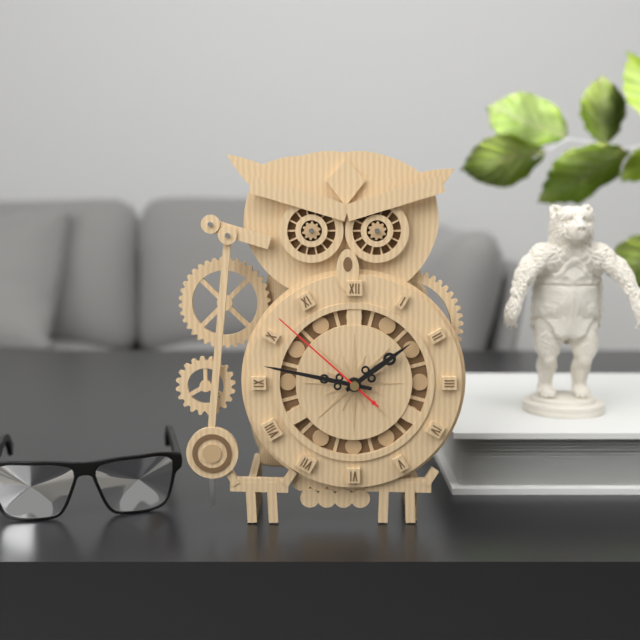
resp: 1h47m52s
